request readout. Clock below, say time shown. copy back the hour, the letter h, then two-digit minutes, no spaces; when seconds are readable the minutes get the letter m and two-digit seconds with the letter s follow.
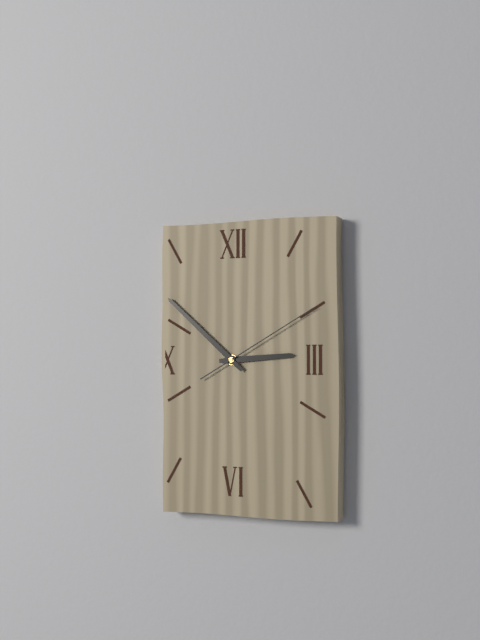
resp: 2h52m10s
